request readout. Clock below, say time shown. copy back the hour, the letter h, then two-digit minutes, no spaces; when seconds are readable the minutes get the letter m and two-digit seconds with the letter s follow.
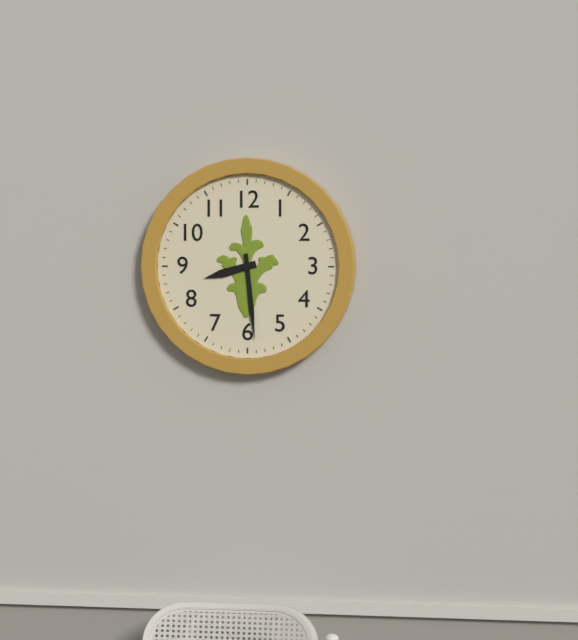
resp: 8h29
